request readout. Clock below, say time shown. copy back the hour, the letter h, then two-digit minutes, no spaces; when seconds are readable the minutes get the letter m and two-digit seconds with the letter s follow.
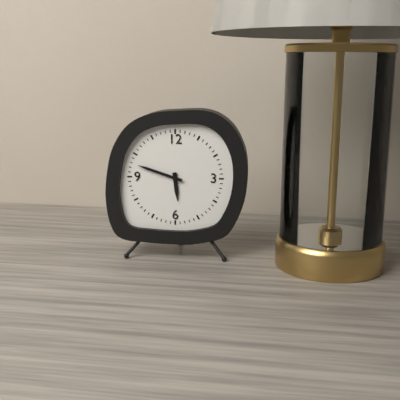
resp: 5h48
